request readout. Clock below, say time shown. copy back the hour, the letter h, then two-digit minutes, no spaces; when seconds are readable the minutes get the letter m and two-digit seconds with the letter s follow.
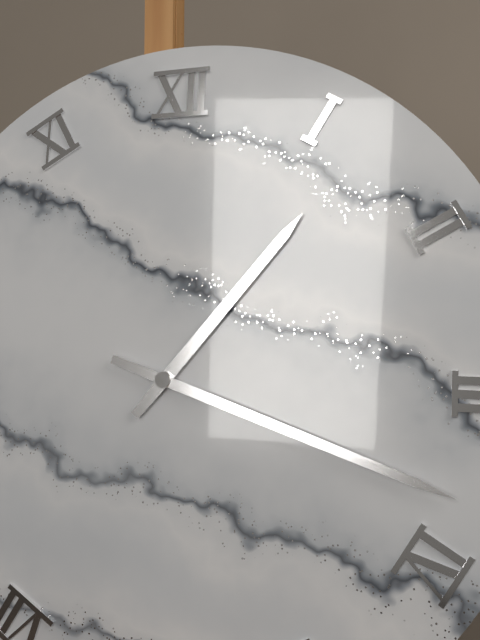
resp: 1h18
